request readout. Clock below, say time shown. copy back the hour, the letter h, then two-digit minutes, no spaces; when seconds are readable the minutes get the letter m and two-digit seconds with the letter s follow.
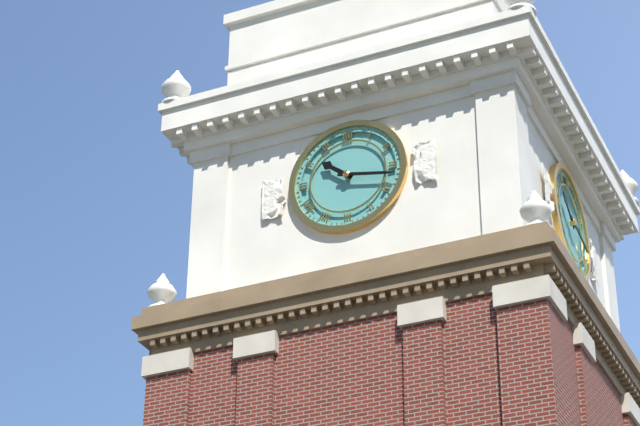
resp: 10h17
